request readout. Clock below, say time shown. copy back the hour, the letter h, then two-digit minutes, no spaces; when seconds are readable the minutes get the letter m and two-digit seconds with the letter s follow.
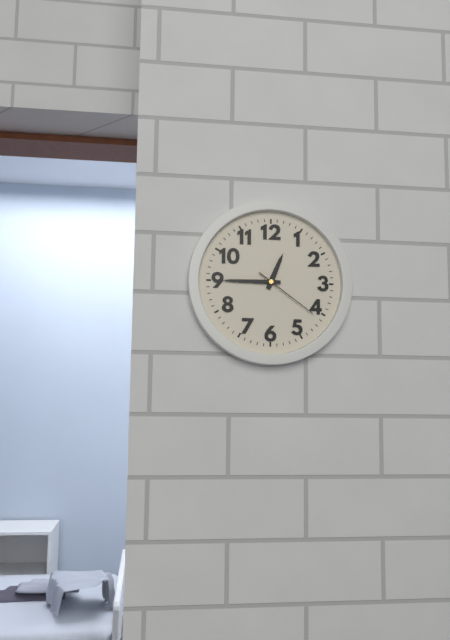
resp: 12h45m21s
